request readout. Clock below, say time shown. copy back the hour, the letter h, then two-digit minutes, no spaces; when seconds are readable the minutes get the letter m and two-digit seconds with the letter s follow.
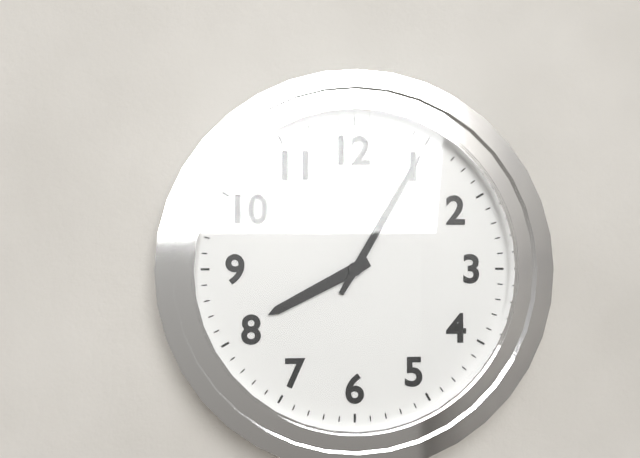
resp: 8h05
